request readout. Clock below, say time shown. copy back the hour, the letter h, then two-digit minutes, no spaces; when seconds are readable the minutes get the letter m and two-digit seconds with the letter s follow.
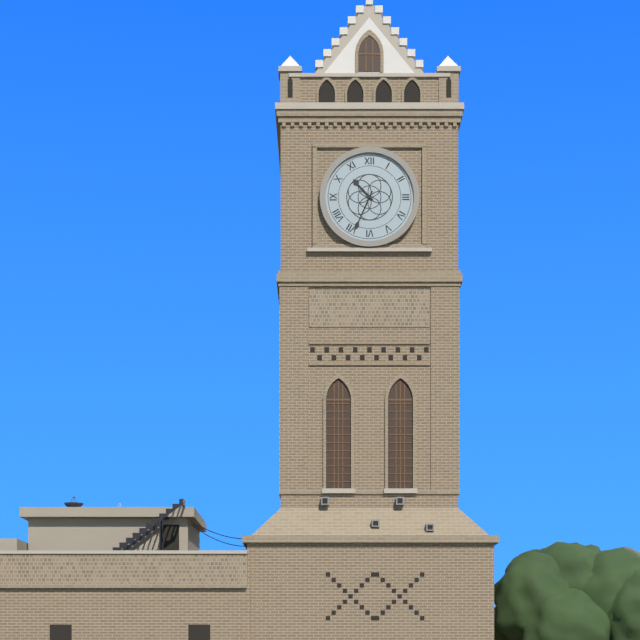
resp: 10h34
